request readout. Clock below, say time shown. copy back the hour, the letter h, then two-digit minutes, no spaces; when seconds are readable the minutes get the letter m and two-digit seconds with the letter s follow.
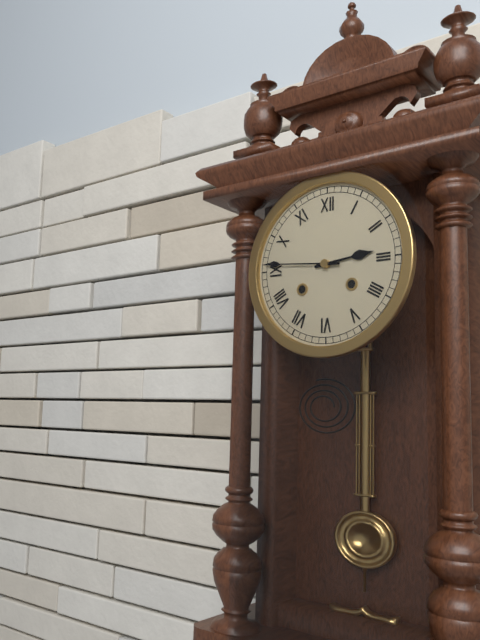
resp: 2h46
